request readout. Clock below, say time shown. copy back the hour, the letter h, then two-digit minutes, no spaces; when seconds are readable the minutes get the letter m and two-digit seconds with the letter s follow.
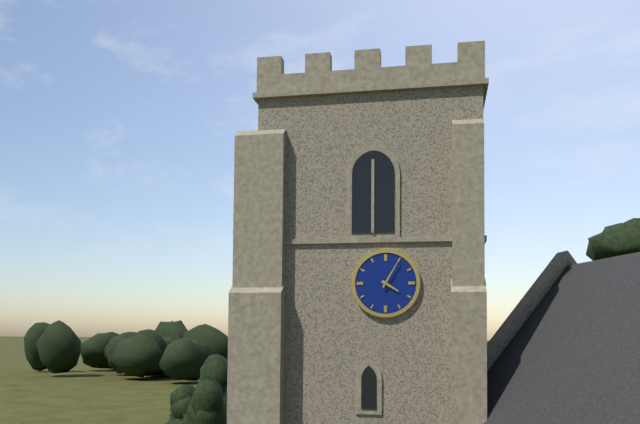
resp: 4h05
